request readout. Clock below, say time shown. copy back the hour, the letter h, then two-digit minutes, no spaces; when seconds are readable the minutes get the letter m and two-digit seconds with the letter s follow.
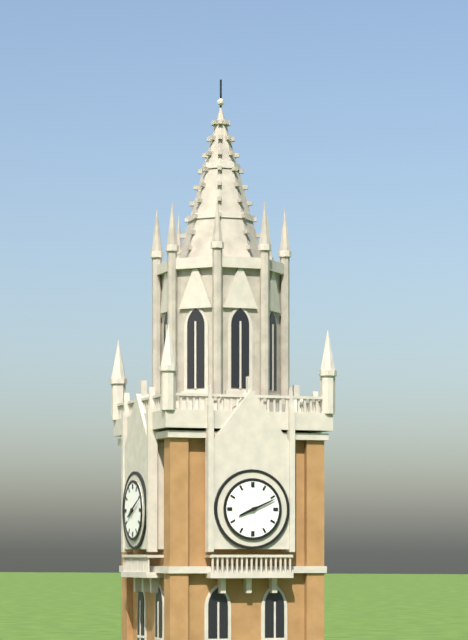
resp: 8h11
